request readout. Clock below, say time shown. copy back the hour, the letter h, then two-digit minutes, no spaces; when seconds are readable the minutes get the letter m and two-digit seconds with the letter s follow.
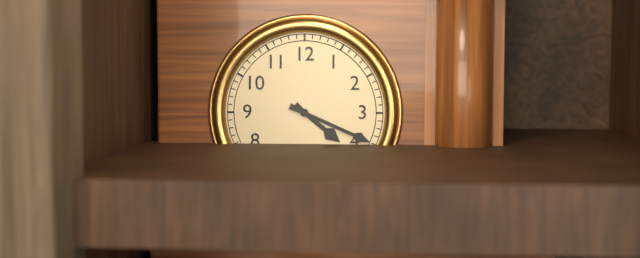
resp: 4h19
